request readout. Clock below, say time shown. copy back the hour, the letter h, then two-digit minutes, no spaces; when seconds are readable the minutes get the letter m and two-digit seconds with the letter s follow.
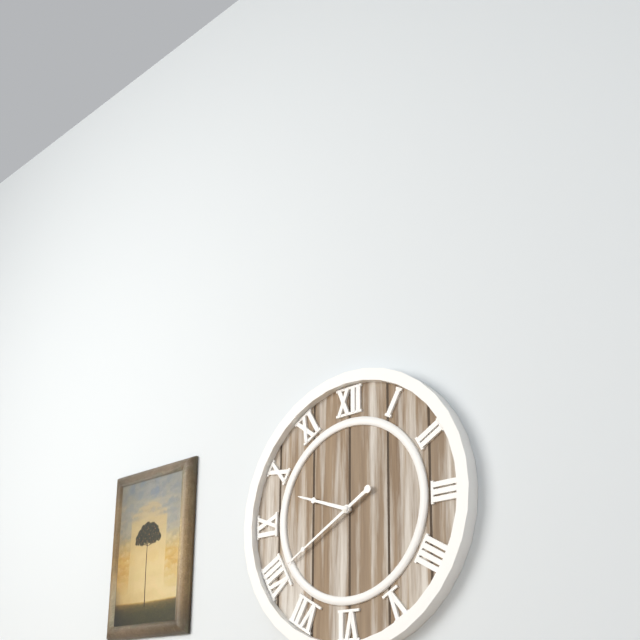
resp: 9h40
